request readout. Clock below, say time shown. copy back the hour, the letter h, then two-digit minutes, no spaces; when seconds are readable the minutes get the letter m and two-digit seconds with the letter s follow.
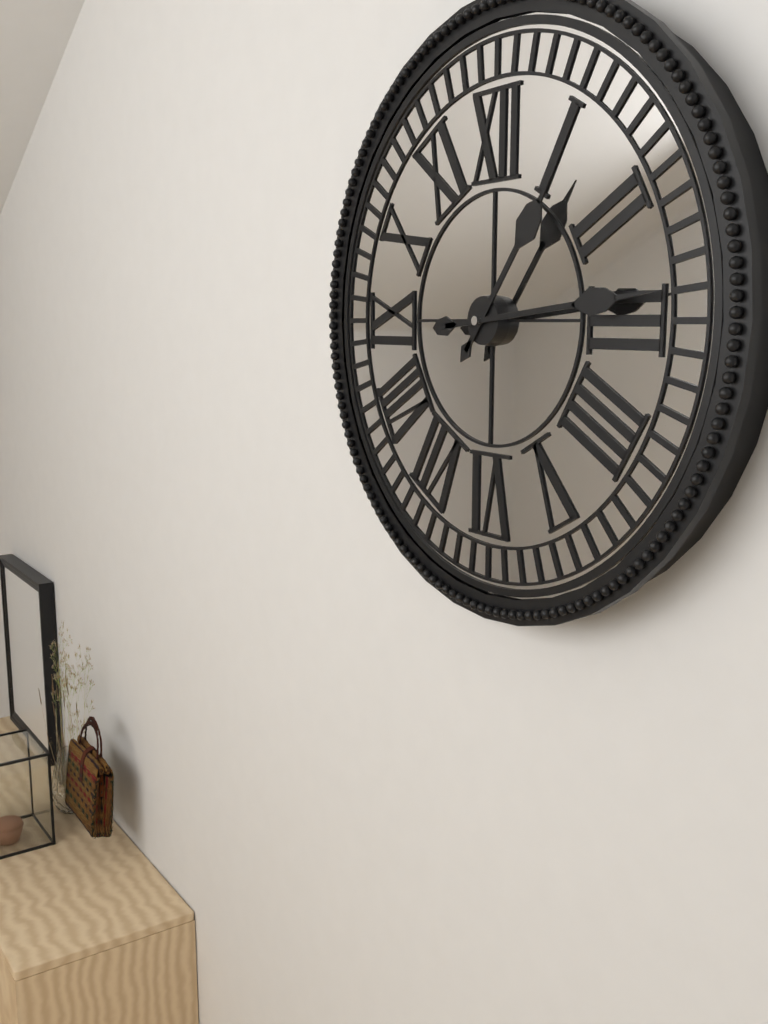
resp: 1h14
